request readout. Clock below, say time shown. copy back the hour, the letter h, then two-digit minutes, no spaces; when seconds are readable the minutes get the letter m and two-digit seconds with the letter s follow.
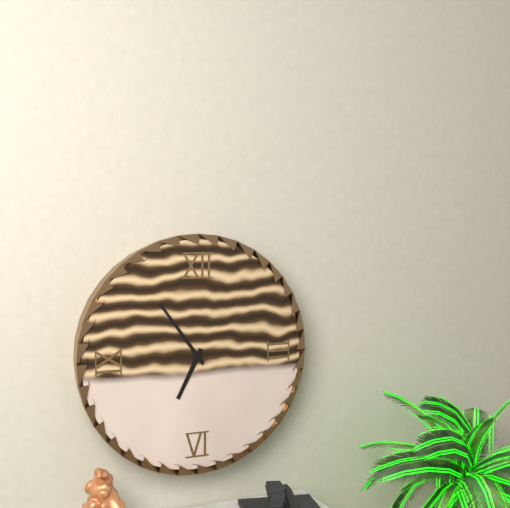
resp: 6h54
